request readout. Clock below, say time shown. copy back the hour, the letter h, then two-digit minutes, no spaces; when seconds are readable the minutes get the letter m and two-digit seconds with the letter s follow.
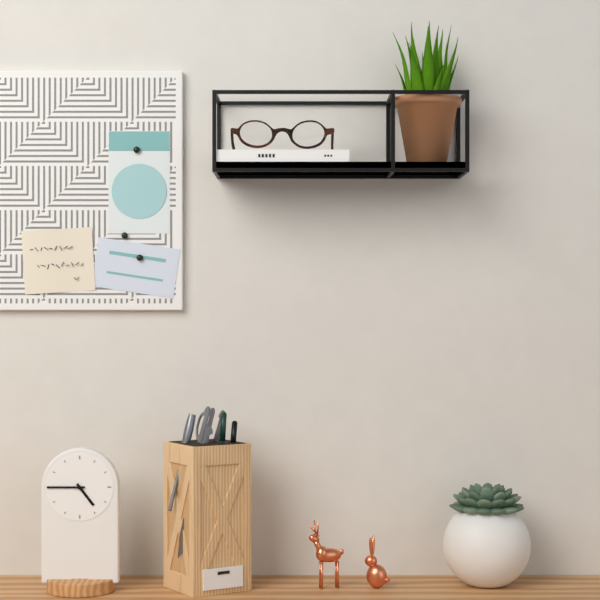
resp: 4h45
